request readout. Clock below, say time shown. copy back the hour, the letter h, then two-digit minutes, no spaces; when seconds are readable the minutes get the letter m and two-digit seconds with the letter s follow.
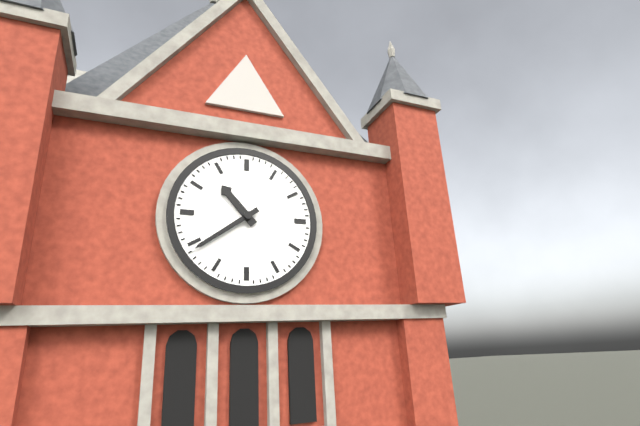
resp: 10h39
